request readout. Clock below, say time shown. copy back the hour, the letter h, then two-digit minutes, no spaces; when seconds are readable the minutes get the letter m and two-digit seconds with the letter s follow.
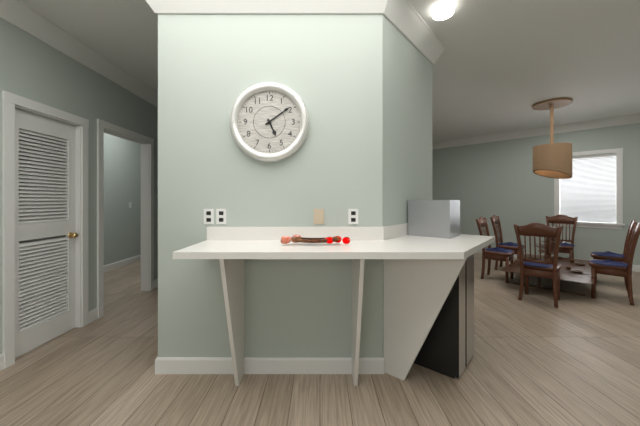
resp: 5h09
